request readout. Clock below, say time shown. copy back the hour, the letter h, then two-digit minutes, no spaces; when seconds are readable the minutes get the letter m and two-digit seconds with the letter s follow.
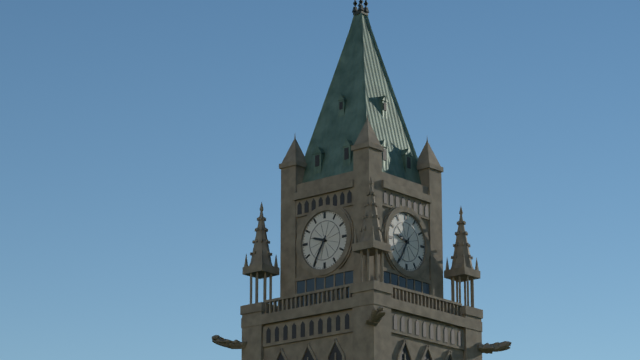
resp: 9h35
